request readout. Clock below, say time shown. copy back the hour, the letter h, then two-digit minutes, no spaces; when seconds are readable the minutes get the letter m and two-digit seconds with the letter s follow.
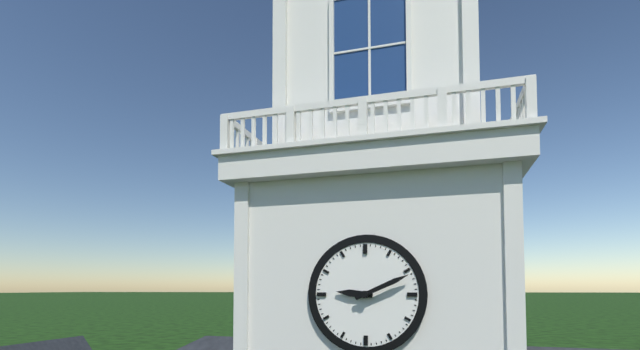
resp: 9h11
